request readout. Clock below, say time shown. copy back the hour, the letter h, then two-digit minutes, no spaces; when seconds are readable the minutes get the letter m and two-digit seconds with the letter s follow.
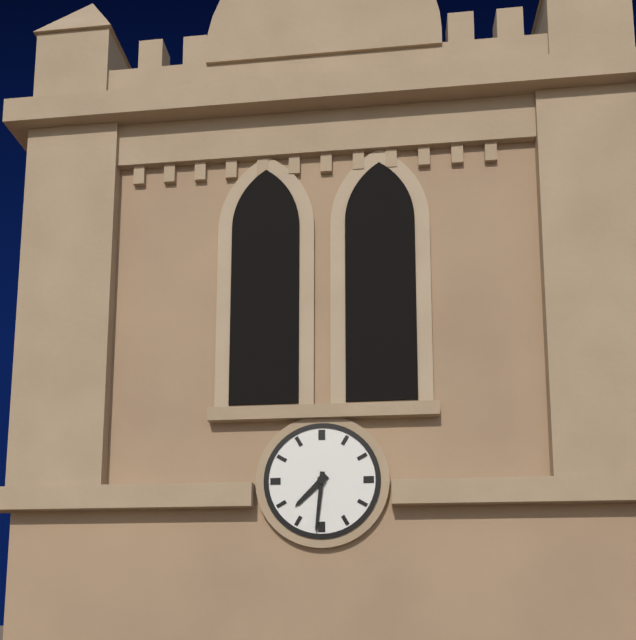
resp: 7h31
